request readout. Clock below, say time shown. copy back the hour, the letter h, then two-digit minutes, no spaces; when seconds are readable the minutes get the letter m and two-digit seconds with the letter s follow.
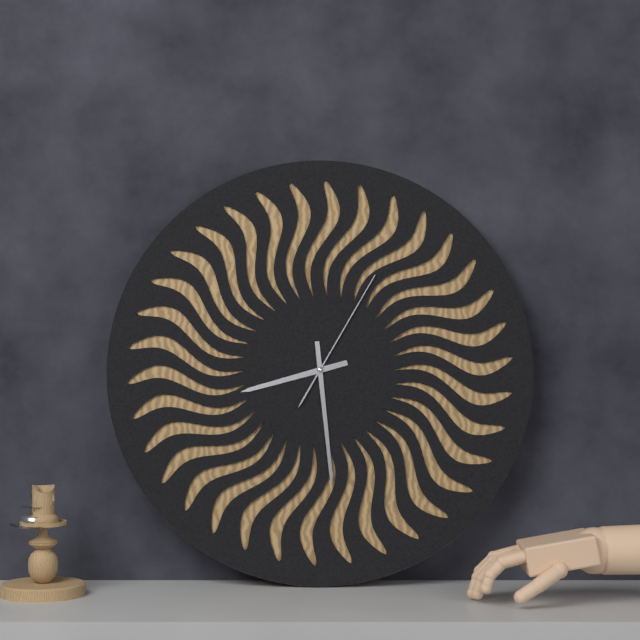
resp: 8h29m05s
